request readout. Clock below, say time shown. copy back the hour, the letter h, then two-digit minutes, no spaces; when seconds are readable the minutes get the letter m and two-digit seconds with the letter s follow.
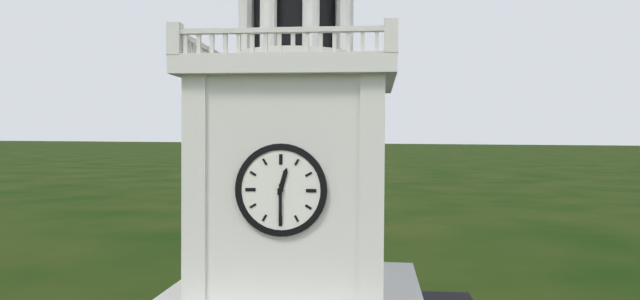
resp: 12h30
